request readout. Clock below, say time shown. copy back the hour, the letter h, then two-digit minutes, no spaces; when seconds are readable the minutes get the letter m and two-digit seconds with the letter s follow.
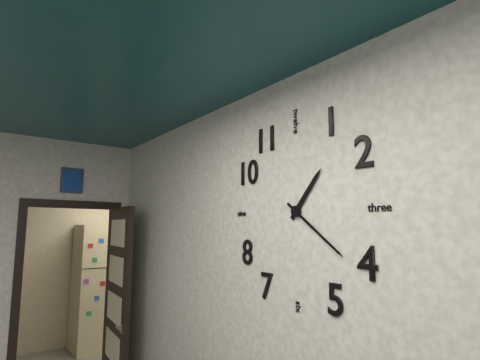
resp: 1h21
